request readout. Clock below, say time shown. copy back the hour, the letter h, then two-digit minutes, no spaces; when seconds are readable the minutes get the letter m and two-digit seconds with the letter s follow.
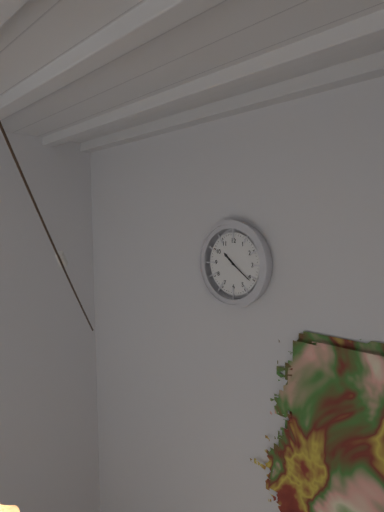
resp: 10h21
